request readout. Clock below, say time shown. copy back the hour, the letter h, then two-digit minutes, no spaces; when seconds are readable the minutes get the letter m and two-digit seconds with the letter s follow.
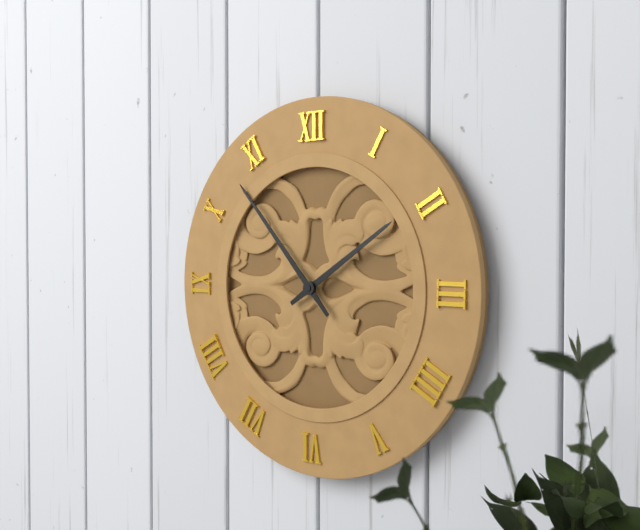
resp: 1h53
